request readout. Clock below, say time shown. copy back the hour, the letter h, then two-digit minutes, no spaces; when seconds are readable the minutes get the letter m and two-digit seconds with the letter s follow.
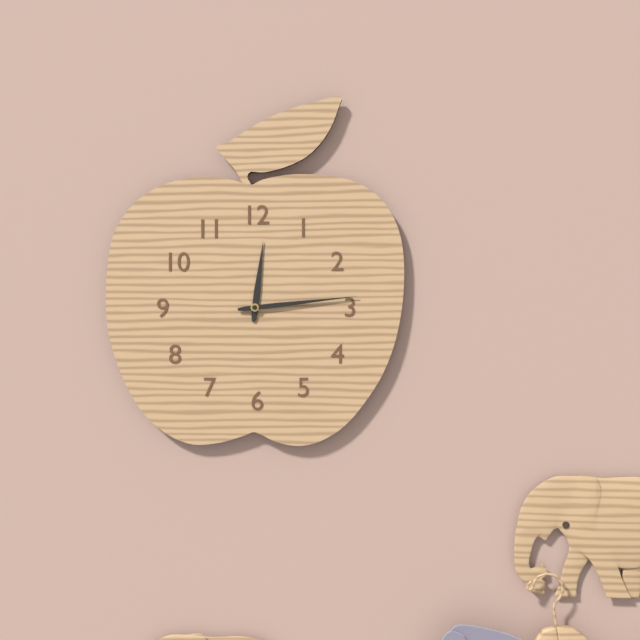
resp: 12h14
